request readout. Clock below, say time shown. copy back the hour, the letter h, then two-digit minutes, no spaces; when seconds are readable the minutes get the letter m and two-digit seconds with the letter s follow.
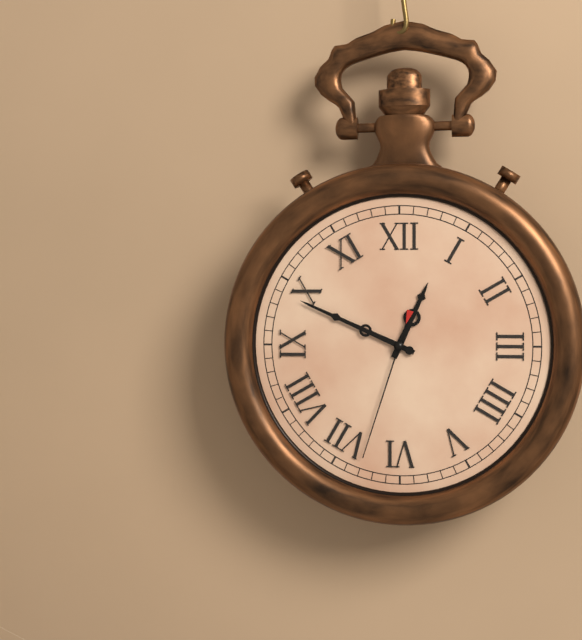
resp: 12h49m33s
